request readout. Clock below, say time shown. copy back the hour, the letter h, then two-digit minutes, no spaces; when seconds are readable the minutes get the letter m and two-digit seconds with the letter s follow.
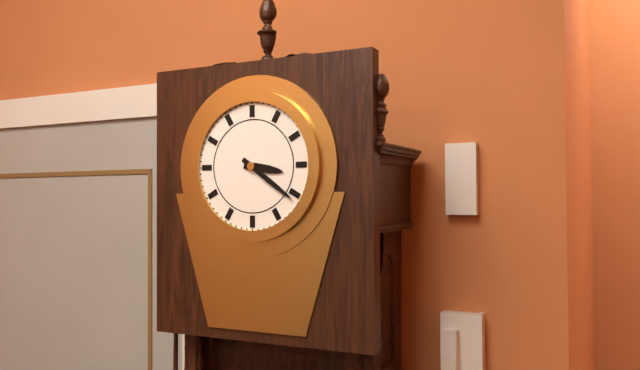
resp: 3h21
